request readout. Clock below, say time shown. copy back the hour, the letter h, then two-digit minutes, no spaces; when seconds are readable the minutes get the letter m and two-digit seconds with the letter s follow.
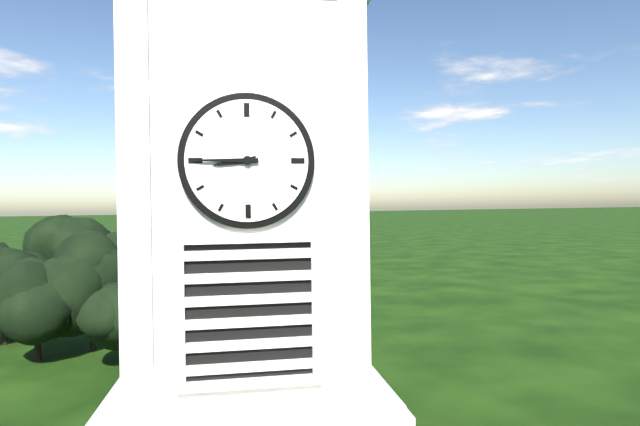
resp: 8h45
